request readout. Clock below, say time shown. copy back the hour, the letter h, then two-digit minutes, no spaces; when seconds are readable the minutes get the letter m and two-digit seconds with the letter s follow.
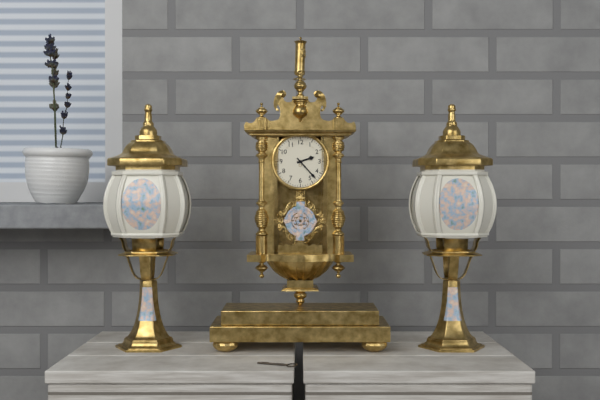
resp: 2h23
